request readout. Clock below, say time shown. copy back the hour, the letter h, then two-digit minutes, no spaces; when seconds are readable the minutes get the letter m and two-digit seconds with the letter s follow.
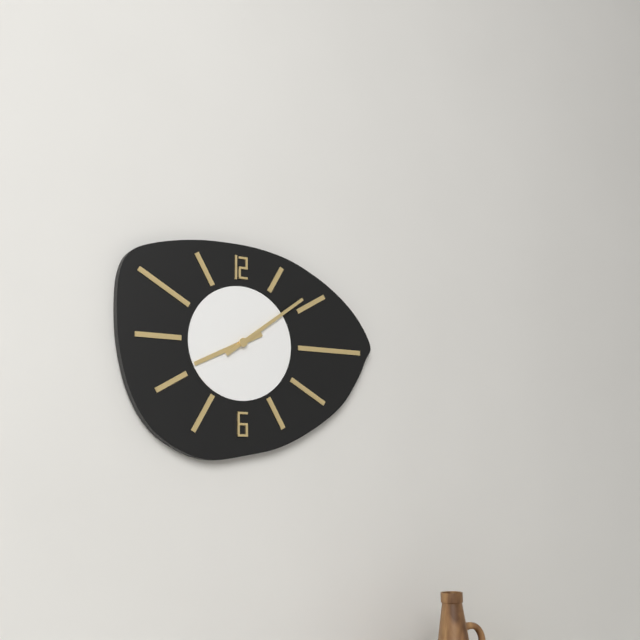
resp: 8h09
